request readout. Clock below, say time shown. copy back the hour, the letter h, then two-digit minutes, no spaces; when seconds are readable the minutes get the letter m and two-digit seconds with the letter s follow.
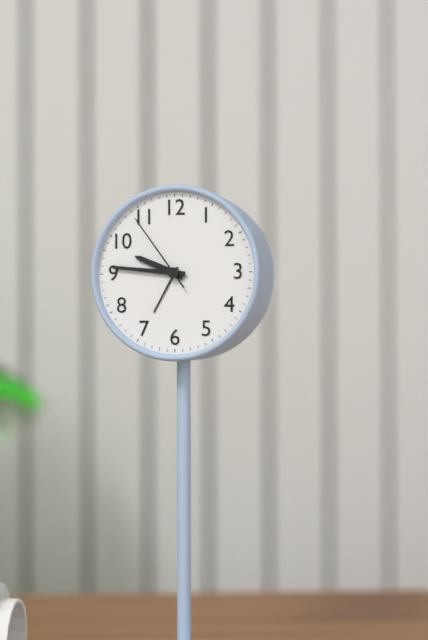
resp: 9h46m54s
